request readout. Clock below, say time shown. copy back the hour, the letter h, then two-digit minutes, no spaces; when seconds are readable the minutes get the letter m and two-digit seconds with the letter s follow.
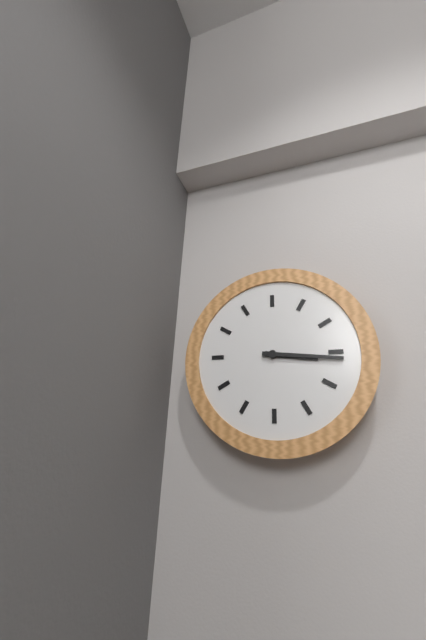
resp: 3h16
